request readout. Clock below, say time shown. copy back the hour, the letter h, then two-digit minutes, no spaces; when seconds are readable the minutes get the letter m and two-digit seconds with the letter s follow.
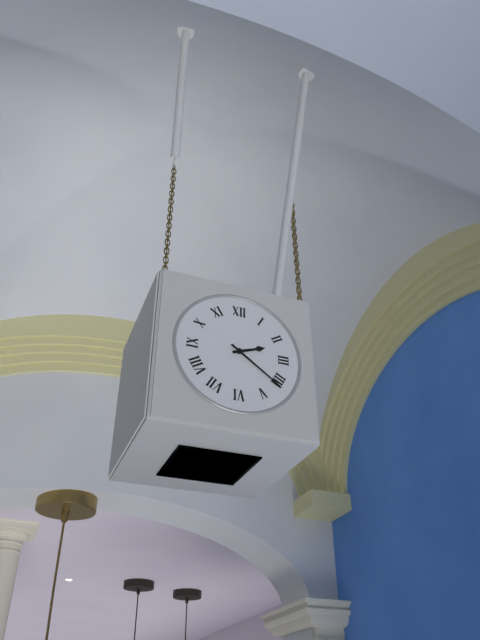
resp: 2h21
